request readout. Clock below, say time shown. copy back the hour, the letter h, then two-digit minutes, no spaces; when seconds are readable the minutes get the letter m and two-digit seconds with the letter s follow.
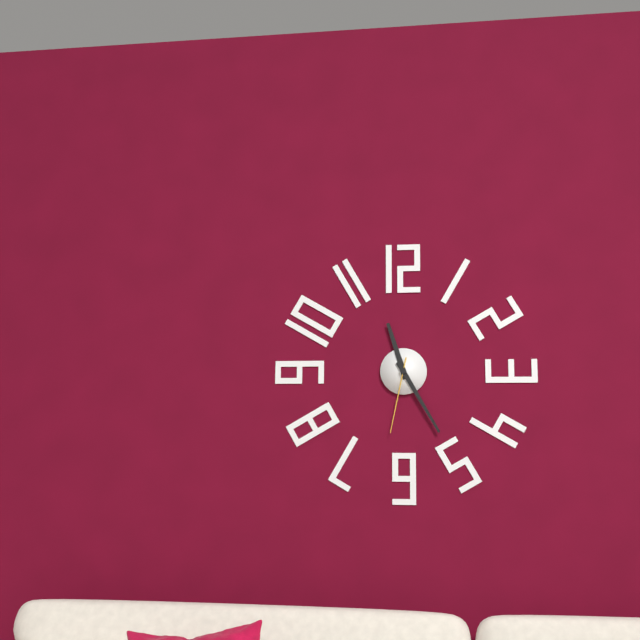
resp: 11h25m32s
